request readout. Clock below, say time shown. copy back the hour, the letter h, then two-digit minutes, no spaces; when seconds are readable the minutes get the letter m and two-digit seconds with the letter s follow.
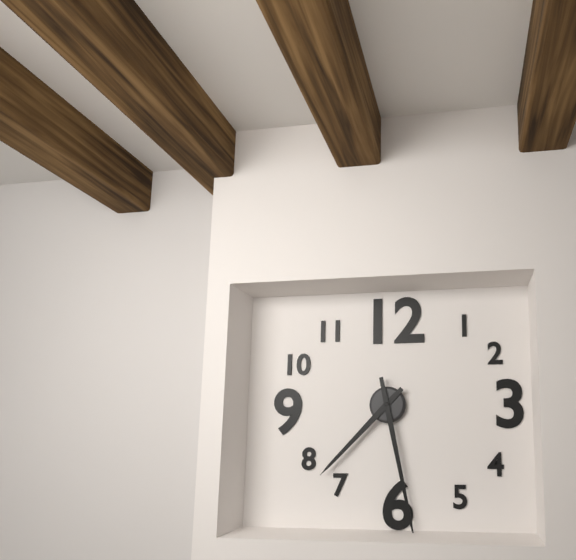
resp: 7h28
